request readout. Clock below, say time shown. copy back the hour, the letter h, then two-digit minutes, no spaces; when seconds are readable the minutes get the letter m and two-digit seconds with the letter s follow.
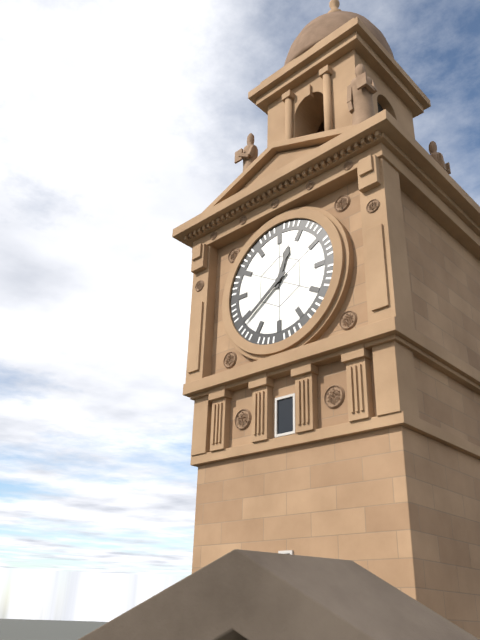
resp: 12h39
